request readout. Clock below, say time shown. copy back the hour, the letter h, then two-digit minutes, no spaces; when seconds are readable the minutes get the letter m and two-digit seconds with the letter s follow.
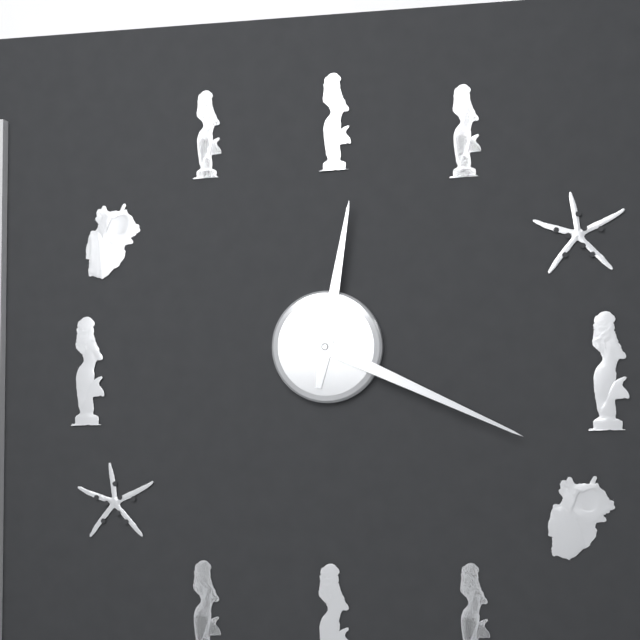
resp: 12h19
